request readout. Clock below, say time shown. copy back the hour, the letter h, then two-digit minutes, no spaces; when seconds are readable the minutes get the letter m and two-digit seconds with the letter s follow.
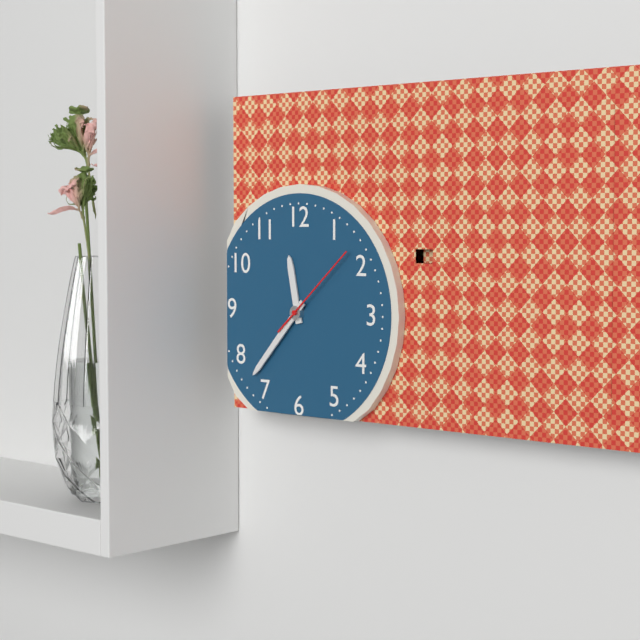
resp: 11h37m08s
